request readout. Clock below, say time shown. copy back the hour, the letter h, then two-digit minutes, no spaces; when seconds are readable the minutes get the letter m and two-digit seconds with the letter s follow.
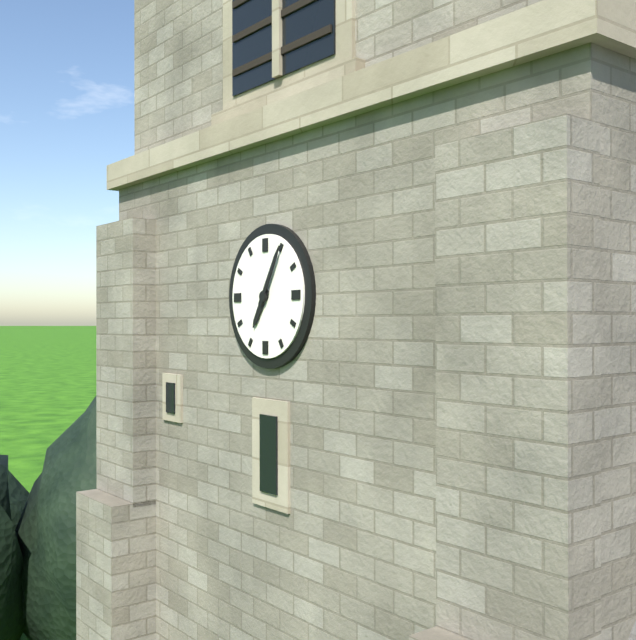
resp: 7h05
